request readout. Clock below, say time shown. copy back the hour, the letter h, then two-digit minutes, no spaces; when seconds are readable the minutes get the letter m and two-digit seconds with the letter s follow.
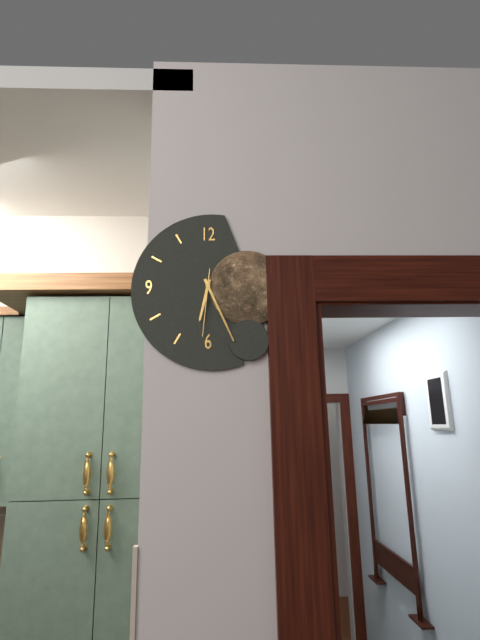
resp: 6h26m31s
